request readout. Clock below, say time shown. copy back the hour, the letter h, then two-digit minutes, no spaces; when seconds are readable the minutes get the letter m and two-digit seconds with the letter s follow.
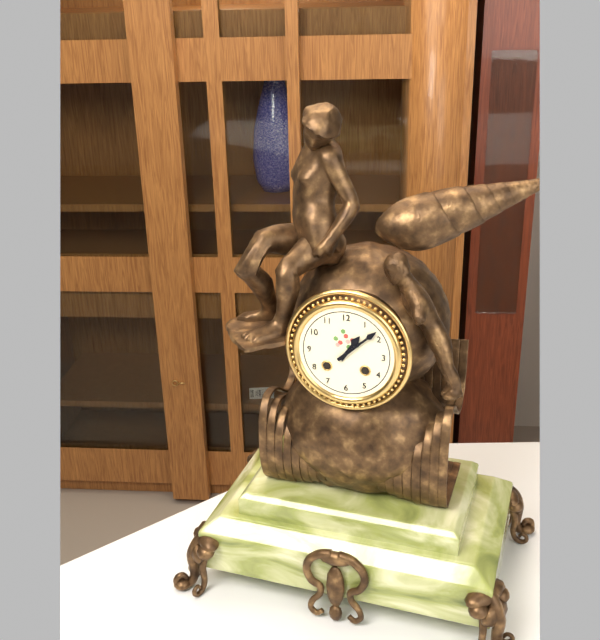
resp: 1h08
